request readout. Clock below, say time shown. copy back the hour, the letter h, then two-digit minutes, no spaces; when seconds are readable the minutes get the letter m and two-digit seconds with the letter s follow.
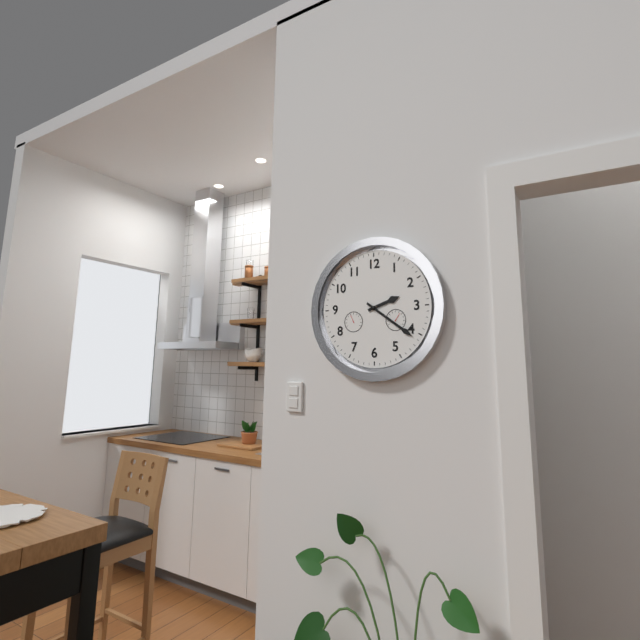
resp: 2h21
